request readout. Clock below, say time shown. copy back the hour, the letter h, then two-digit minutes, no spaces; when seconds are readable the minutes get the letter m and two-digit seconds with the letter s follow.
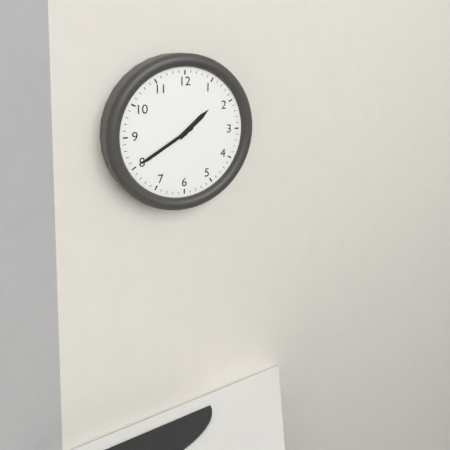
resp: 1h40
